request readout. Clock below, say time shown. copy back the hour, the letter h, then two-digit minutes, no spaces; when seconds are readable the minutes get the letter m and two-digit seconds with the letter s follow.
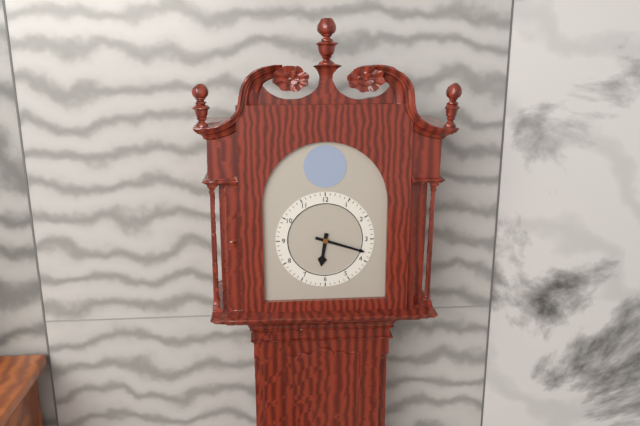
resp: 6h18
